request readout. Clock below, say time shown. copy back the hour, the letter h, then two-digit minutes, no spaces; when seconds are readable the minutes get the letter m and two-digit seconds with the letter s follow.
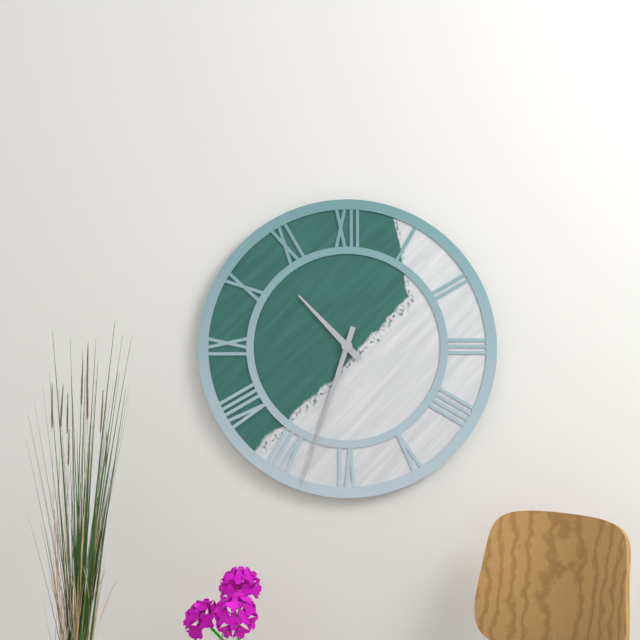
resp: 10h33
